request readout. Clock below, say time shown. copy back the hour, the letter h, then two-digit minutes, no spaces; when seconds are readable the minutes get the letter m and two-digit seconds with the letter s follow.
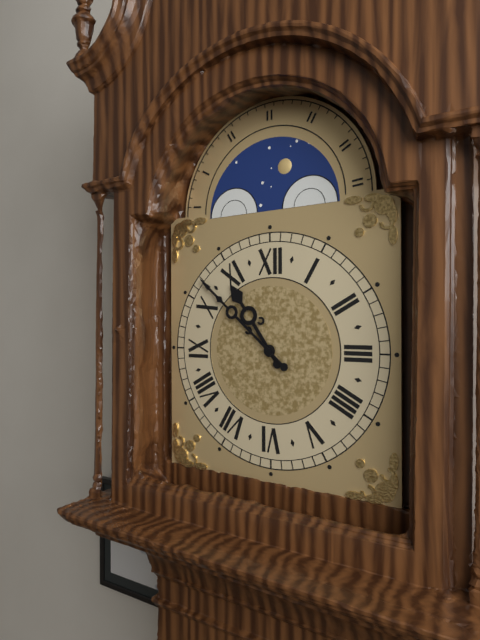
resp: 10h52
